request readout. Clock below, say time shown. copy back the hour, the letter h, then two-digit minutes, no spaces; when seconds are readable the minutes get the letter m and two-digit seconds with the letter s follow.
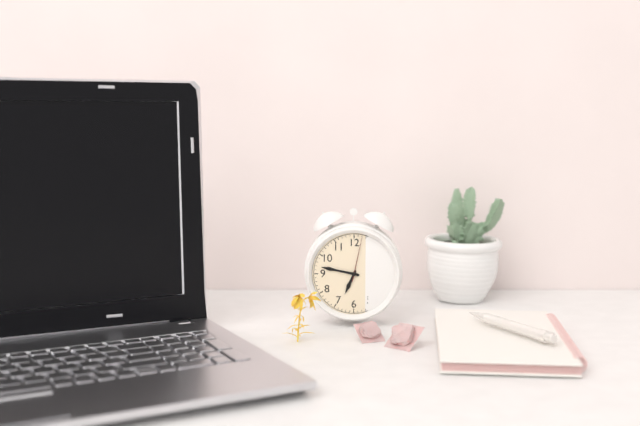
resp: 6h47
